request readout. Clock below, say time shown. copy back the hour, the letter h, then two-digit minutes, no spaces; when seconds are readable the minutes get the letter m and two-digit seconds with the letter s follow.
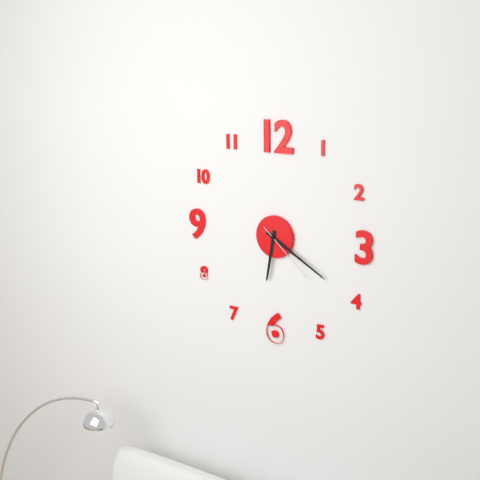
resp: 6h20m22s
